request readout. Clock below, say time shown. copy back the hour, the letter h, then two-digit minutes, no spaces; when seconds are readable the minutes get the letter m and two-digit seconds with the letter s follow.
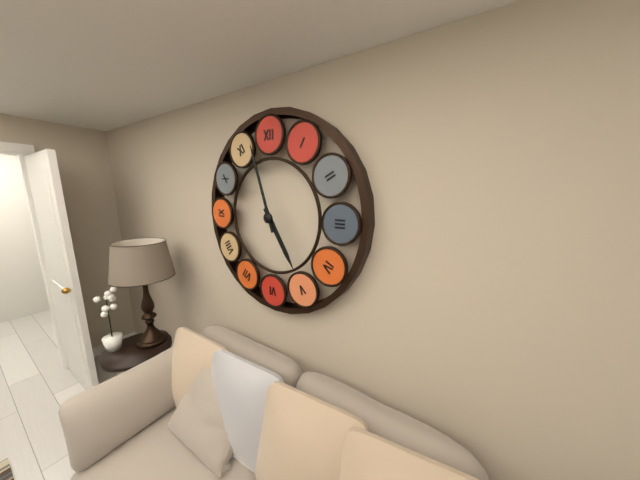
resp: 4h57
